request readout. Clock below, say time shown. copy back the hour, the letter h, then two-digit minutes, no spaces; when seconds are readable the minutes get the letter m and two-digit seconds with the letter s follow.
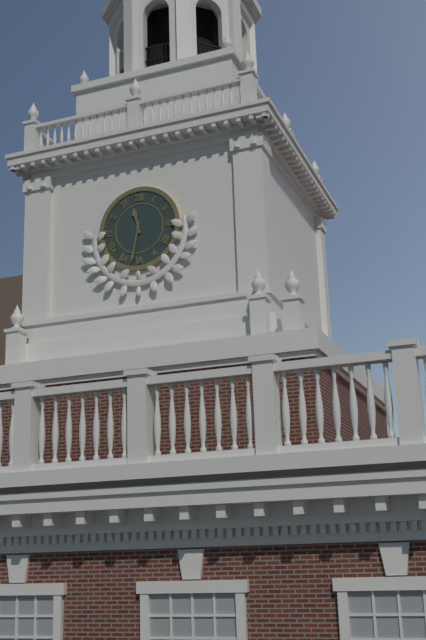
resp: 11h32
